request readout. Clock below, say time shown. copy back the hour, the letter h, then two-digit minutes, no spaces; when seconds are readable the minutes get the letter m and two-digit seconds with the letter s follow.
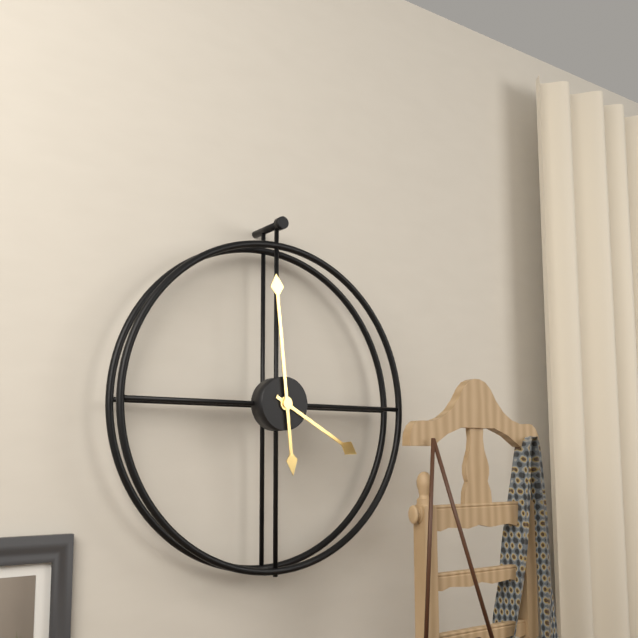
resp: 3h59
